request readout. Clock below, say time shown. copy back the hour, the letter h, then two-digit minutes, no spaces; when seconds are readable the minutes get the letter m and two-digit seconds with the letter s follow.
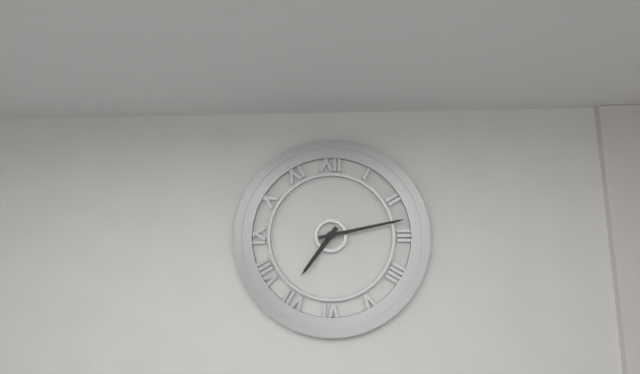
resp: 7h13
